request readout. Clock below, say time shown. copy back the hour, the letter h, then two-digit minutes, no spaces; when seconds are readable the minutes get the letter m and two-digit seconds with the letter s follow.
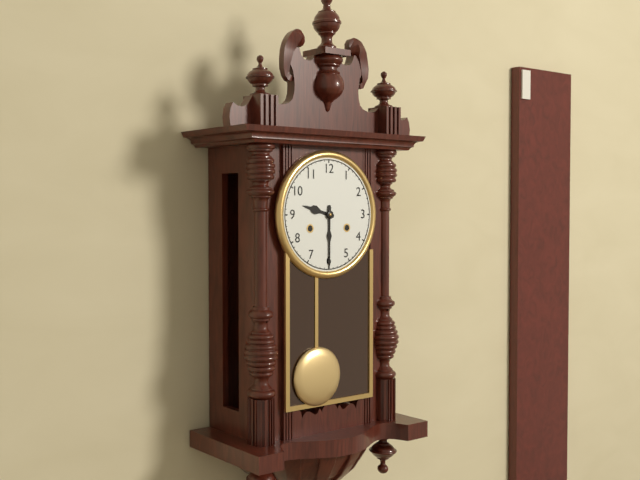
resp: 9h30
